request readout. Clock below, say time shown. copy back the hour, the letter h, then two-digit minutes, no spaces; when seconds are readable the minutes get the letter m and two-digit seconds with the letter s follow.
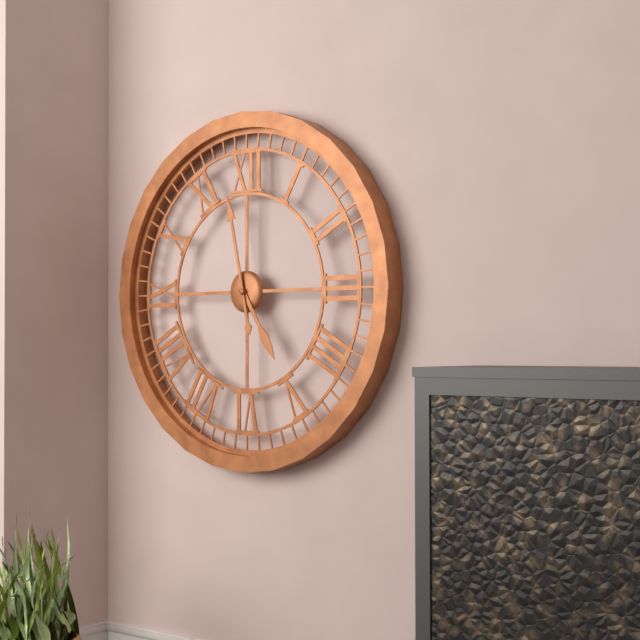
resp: 4h58
